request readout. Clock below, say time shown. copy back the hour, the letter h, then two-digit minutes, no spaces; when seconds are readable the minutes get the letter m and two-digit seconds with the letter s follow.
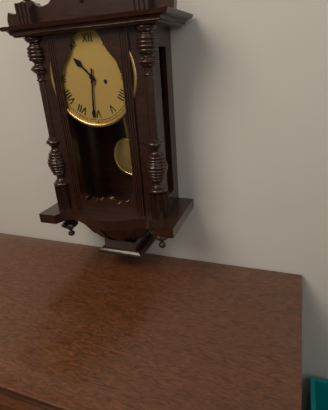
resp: 10h31
